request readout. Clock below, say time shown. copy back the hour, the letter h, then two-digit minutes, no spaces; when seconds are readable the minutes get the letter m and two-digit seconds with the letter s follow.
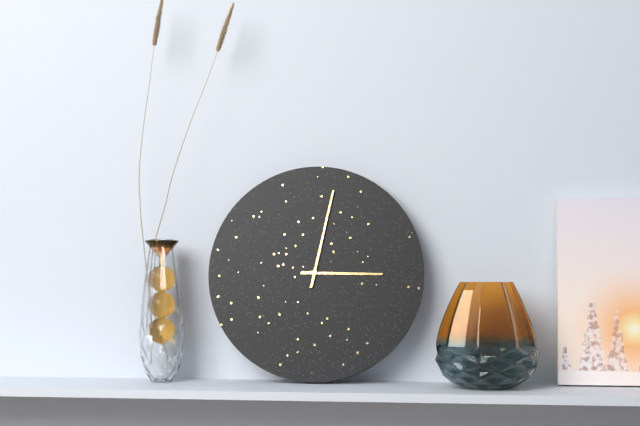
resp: 3h02
